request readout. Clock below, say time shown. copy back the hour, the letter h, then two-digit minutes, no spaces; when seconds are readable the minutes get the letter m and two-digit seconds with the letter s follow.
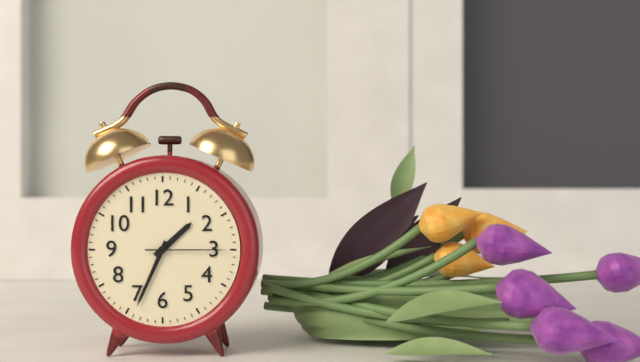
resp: 1h34m15s
